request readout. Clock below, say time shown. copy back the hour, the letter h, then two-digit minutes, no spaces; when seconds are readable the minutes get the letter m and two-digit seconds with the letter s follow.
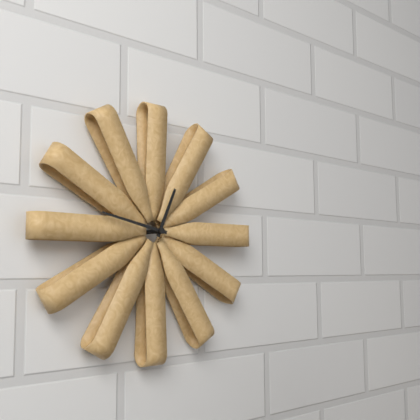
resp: 12h47
